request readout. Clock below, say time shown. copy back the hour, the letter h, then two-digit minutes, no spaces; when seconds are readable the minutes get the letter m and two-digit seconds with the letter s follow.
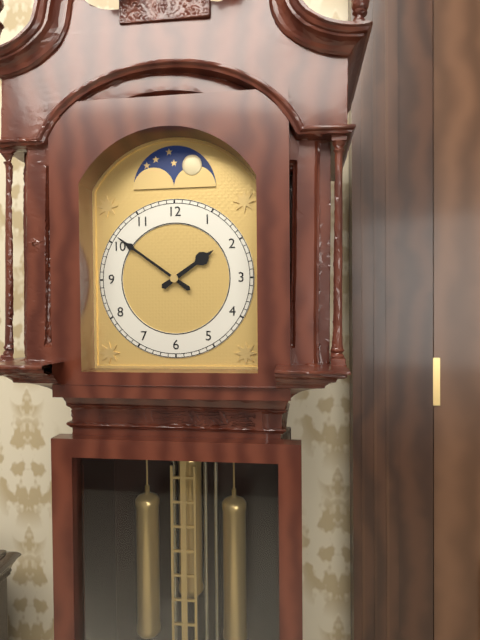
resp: 1h51
